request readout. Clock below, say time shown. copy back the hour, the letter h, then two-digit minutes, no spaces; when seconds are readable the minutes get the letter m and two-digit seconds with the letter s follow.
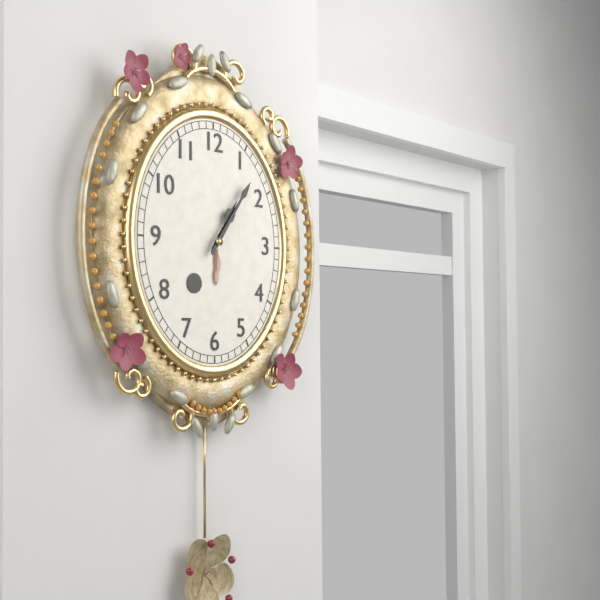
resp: 1h06
